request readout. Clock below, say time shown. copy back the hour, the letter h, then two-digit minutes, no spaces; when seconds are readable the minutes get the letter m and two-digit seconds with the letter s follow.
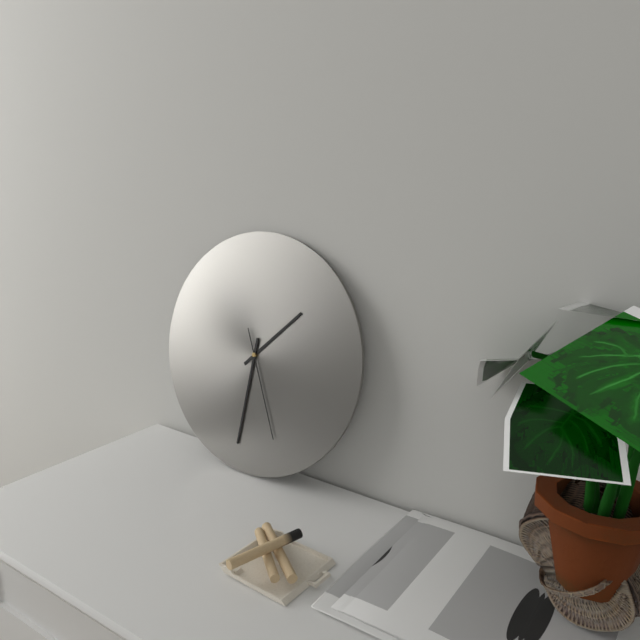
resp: 1h31m26s
